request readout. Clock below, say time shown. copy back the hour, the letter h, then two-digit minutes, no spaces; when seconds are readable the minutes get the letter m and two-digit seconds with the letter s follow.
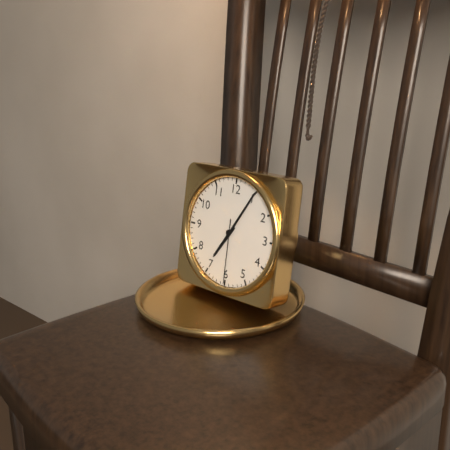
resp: 7h05m30s
